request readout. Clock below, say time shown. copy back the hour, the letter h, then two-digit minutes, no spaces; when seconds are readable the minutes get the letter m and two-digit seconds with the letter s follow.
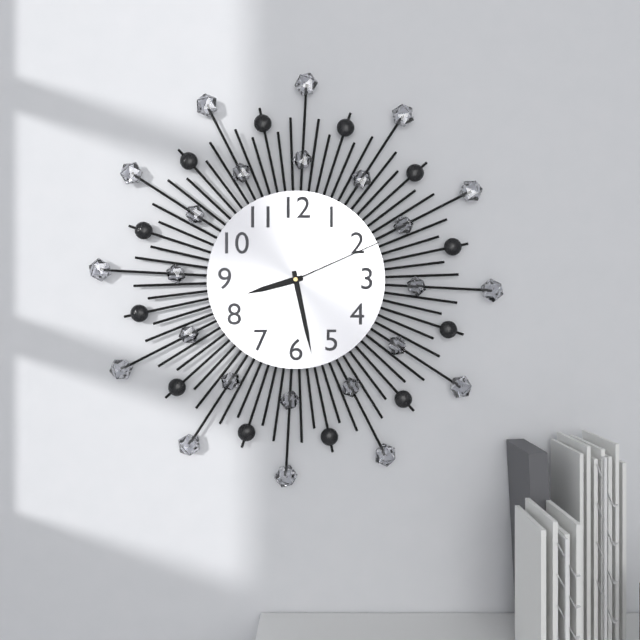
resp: 8h28m11s
